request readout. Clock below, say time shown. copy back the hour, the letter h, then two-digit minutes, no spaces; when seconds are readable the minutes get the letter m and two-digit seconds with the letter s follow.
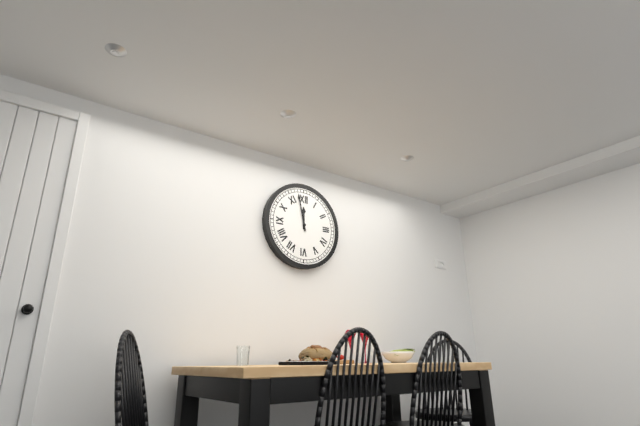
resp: 11h58
